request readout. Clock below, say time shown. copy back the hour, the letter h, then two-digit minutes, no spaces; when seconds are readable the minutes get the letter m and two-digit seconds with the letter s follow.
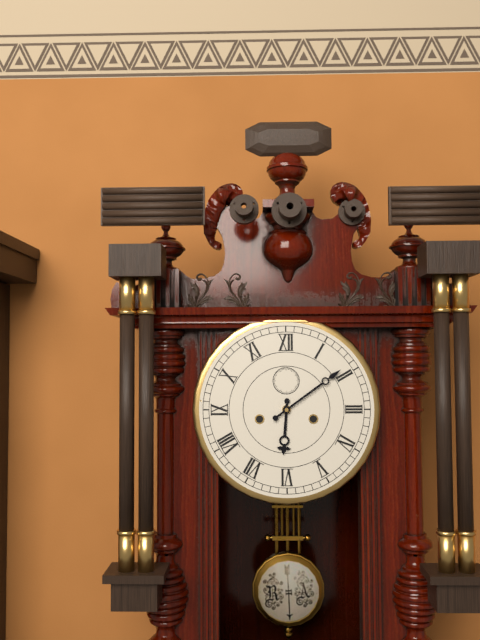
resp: 6h09
